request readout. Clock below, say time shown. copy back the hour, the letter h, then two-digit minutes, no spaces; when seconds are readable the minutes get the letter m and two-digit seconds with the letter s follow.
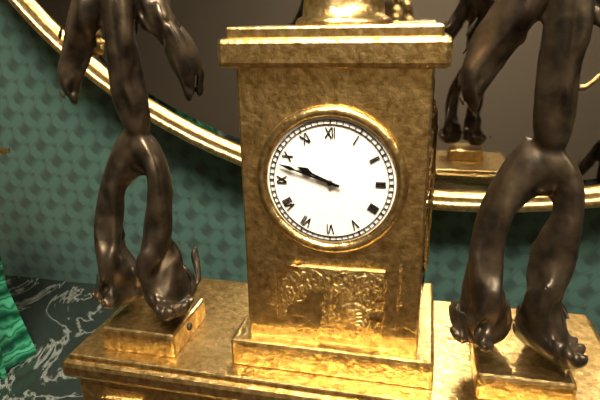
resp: 9h48
